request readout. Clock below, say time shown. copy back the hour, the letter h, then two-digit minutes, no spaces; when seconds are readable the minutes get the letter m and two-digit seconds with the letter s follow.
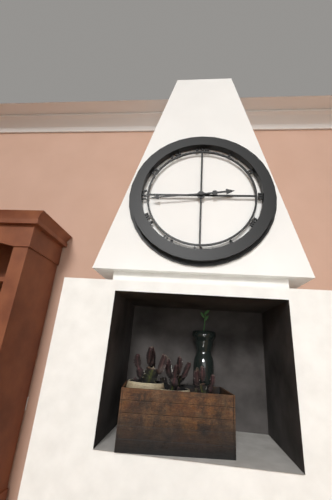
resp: 2h44
